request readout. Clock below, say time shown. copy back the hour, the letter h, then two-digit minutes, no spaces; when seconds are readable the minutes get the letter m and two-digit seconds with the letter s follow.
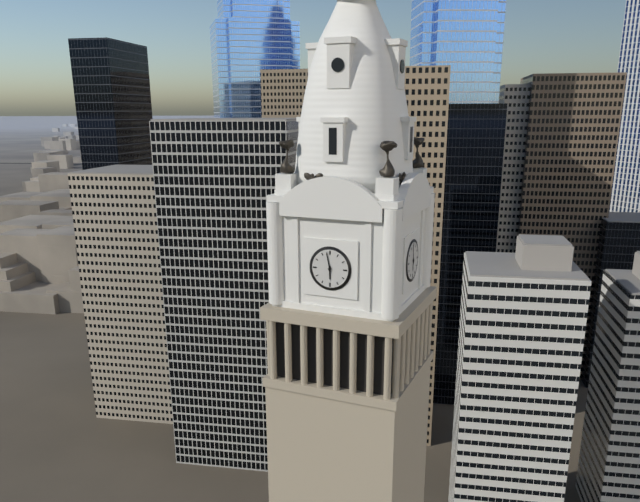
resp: 5h58
